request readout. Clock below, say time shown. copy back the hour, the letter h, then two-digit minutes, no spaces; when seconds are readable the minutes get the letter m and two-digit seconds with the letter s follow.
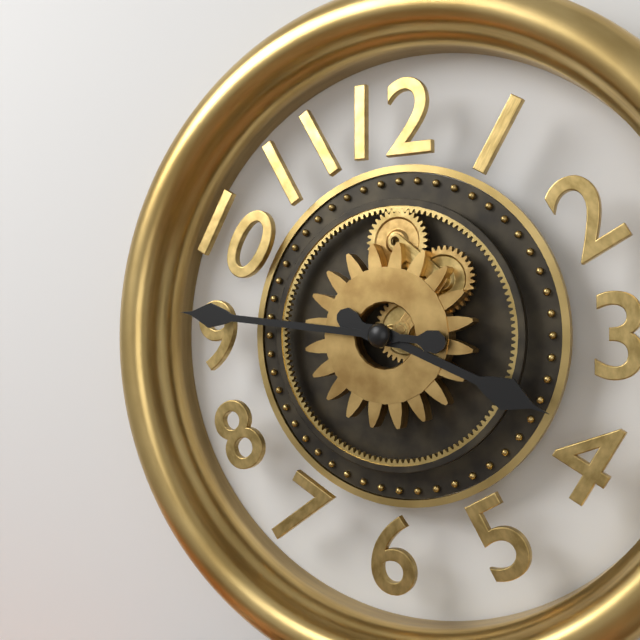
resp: 3h46
